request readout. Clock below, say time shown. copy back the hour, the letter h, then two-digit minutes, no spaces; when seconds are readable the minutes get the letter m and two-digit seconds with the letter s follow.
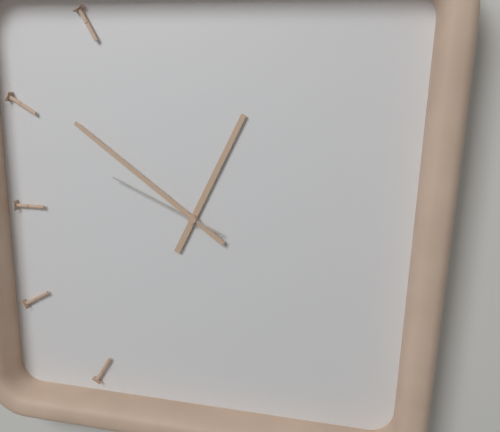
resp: 12h51m49s
